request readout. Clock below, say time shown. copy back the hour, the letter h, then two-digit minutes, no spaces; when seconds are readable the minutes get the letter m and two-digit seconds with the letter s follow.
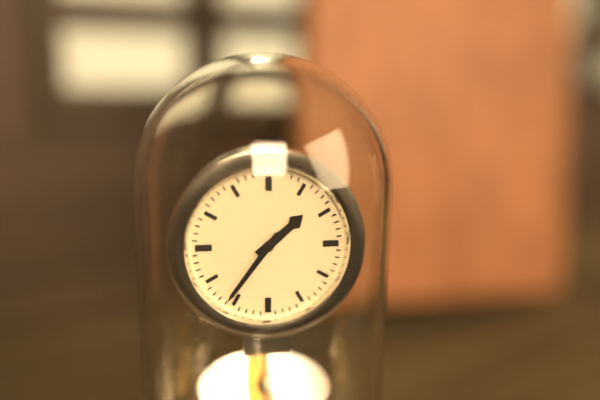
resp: 1h36
